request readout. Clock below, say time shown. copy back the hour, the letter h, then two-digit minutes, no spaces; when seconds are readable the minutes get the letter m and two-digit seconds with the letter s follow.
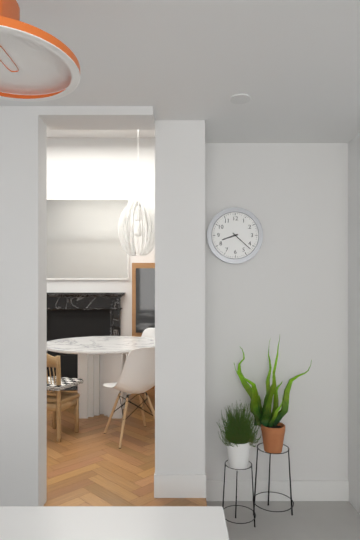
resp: 8h22
